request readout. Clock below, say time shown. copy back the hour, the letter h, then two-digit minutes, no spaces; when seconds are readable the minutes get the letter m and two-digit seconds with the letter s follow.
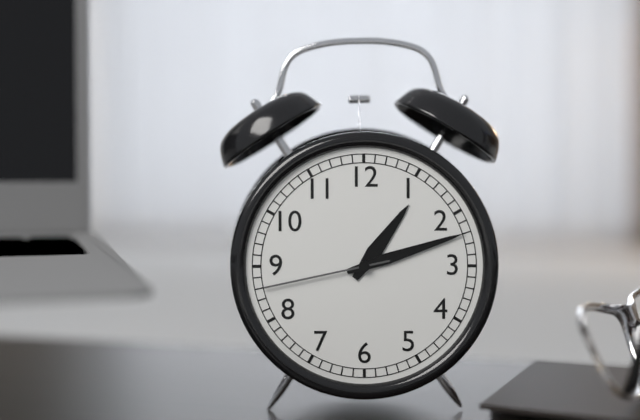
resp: 1h12m43s
